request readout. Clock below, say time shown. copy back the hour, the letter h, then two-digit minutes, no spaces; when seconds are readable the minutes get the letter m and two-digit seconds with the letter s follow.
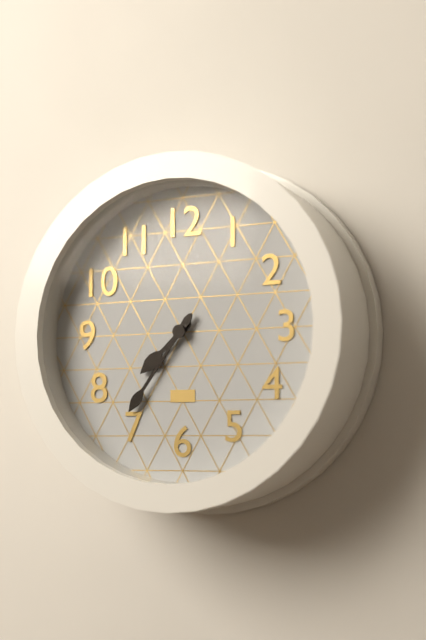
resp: 7h36
